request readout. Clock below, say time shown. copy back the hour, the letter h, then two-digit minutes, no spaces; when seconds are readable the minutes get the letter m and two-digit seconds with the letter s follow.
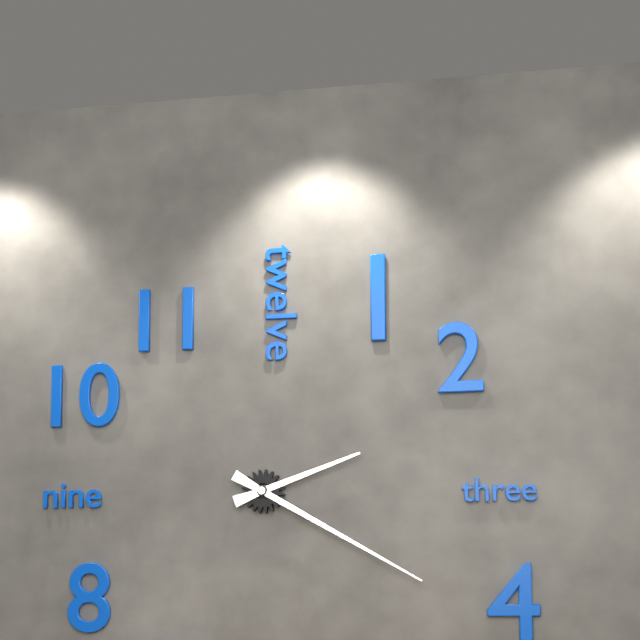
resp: 2h20
